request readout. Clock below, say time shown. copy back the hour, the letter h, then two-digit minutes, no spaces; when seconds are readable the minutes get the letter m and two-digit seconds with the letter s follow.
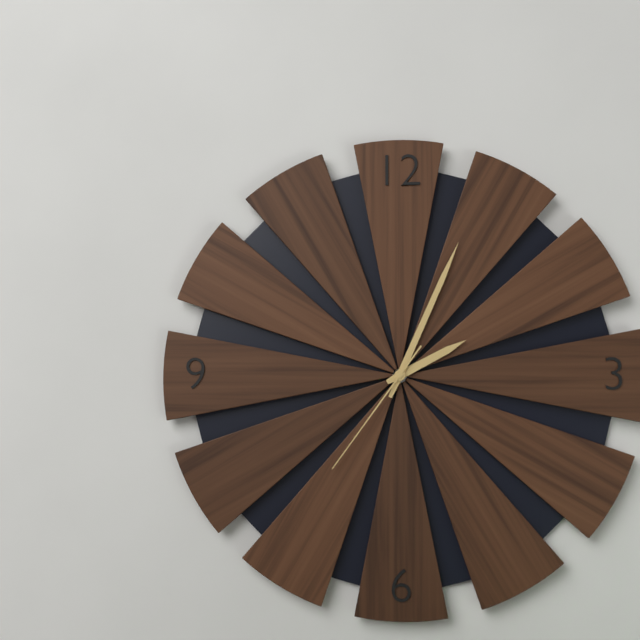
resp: 2h04m36s
